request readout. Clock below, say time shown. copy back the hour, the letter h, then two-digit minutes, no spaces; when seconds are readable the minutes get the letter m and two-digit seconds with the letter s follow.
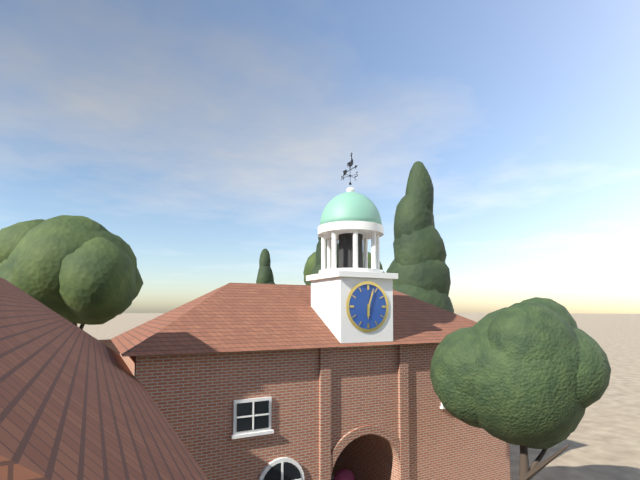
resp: 6h03
